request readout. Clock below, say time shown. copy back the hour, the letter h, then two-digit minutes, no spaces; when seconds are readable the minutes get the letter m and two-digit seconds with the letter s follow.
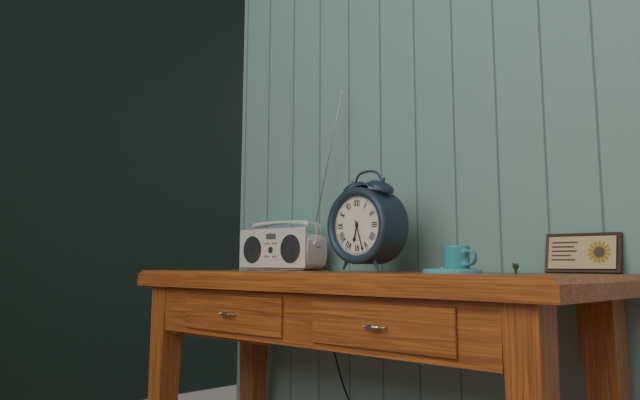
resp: 6h27
